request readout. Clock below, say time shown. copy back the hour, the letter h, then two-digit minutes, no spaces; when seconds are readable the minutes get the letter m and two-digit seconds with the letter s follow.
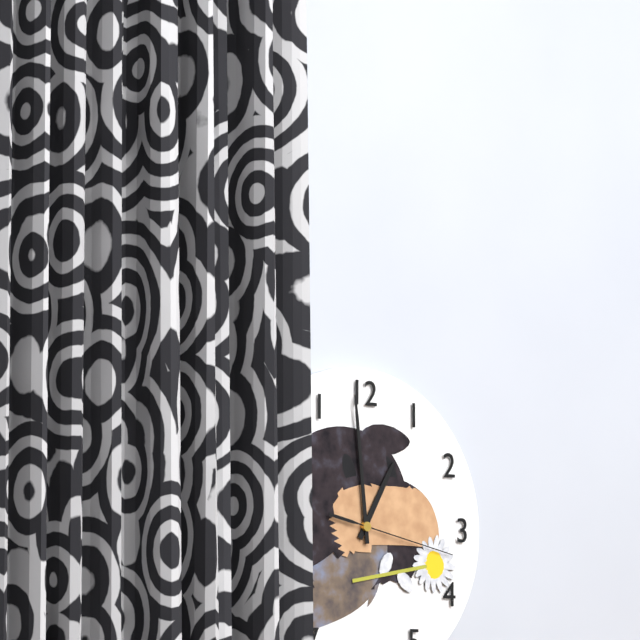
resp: 12h59m17s
